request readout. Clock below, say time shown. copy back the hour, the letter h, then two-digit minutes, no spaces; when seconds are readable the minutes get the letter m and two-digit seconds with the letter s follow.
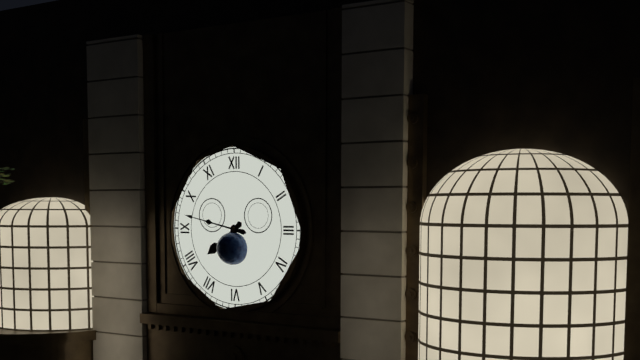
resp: 7h47
